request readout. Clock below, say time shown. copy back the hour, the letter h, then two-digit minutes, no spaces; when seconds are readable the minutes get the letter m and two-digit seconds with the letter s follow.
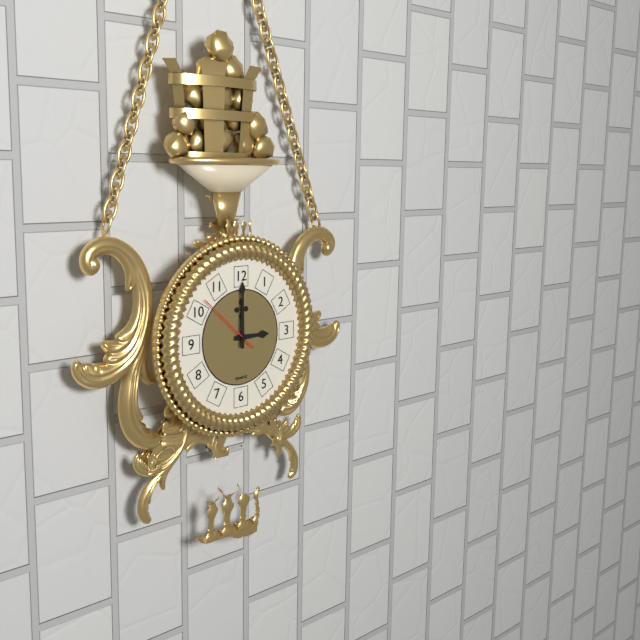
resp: 3h00m52s
